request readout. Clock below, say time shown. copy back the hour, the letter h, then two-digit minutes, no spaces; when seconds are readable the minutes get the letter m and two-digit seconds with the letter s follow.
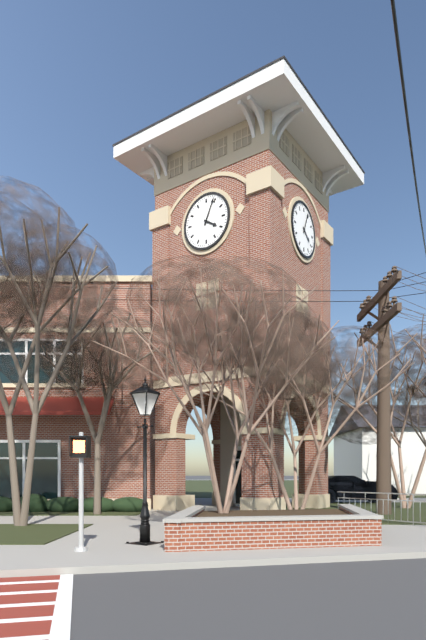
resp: 4h04
